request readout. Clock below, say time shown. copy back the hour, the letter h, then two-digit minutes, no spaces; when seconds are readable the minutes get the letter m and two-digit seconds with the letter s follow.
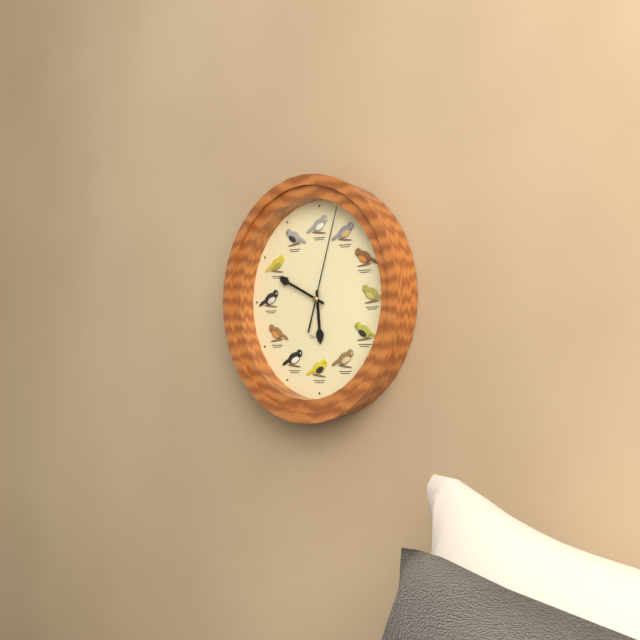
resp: 5h49m03s
